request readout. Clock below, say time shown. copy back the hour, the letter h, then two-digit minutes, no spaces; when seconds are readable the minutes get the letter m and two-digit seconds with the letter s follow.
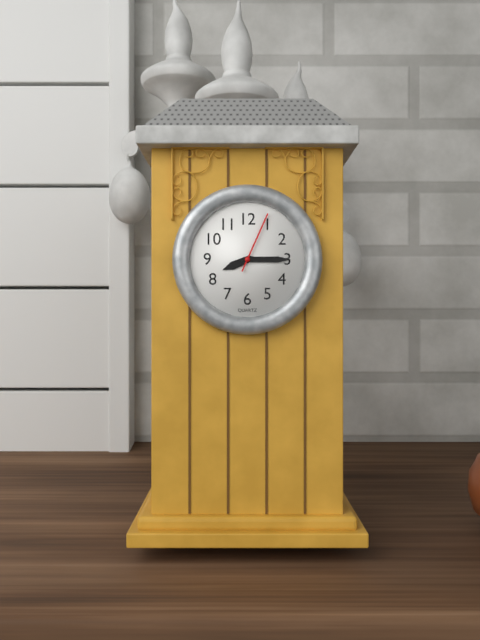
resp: 8h15m04s
